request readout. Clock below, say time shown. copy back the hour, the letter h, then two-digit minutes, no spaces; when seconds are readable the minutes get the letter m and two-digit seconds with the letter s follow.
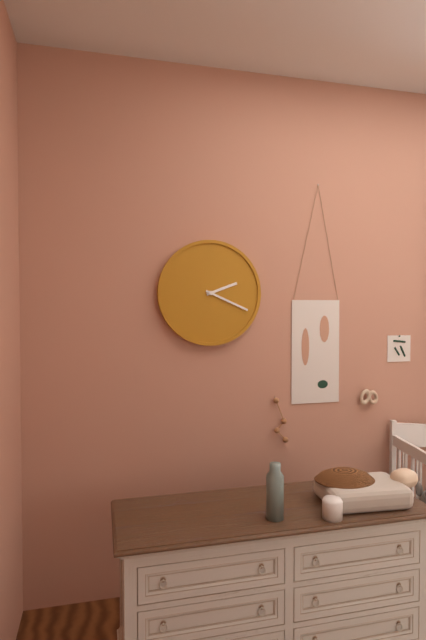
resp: 2h19
